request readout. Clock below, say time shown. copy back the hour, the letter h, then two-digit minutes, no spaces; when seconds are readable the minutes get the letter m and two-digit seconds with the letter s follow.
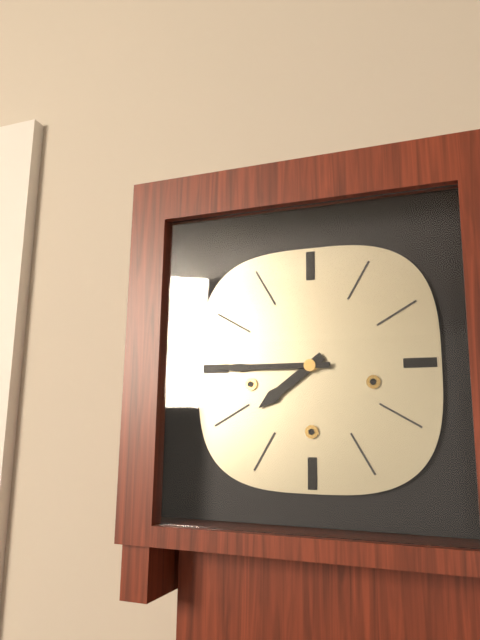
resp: 7h45
